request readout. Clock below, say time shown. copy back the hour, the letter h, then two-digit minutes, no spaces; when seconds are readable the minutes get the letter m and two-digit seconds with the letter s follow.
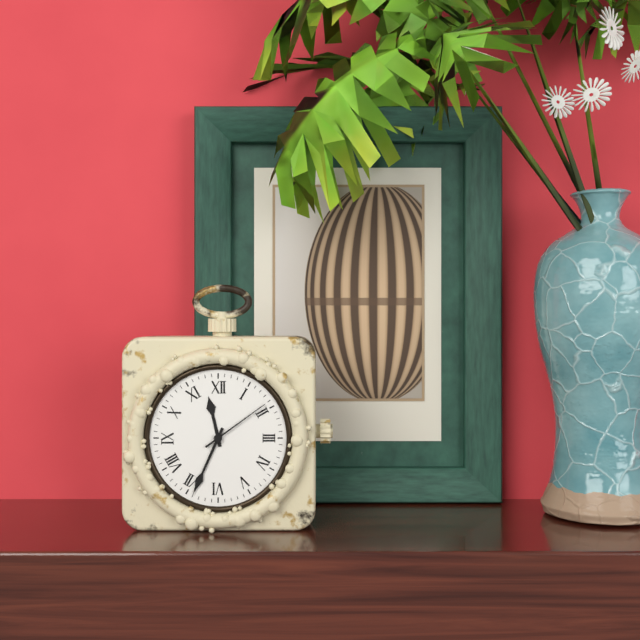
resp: 11h34m09s
